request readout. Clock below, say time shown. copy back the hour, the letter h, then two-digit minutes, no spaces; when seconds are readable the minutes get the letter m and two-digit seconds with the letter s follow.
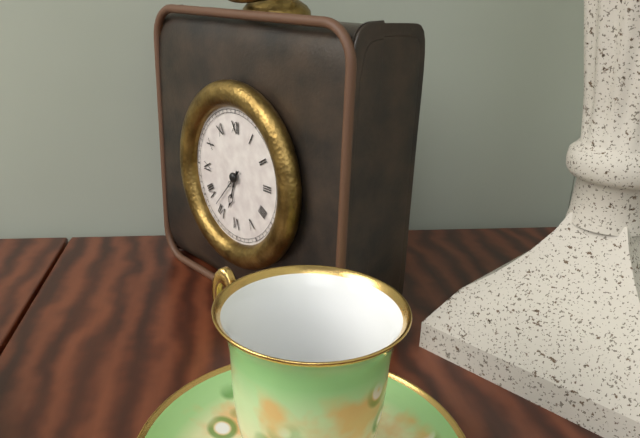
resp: 6h37
